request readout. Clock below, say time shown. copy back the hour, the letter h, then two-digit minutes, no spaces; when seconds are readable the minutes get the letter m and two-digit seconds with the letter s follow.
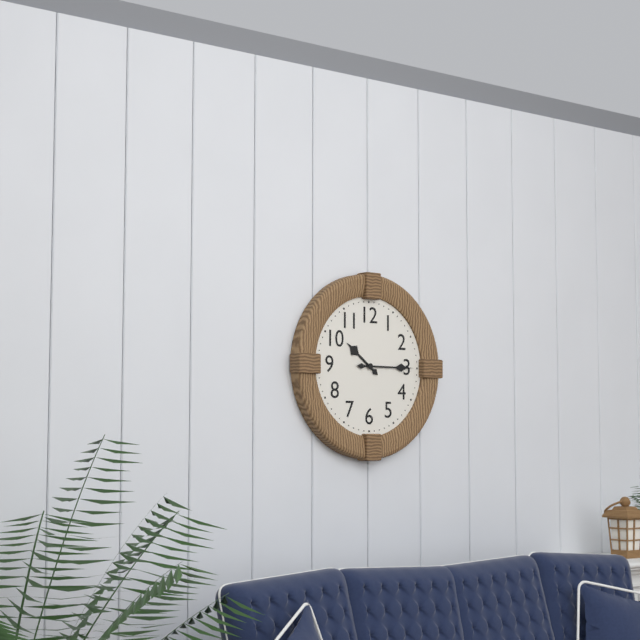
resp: 10h15
